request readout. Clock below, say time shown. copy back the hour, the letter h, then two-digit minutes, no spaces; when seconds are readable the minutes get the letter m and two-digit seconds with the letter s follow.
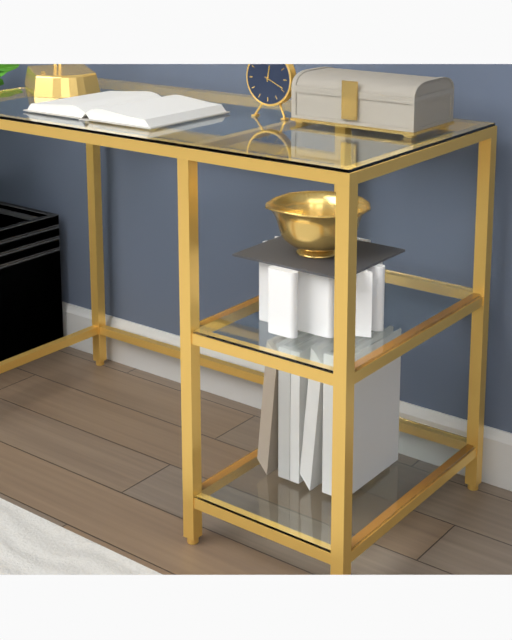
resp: 12h19
